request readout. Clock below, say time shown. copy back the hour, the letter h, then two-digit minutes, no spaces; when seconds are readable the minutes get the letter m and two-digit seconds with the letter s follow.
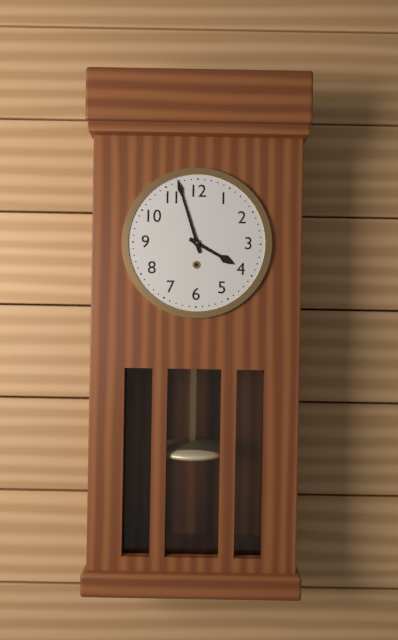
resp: 3h57
